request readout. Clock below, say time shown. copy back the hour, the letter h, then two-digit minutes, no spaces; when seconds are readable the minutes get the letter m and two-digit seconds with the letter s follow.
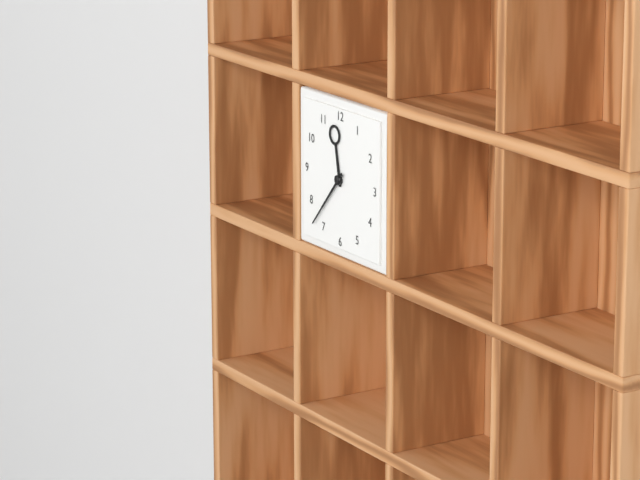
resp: 11h37
